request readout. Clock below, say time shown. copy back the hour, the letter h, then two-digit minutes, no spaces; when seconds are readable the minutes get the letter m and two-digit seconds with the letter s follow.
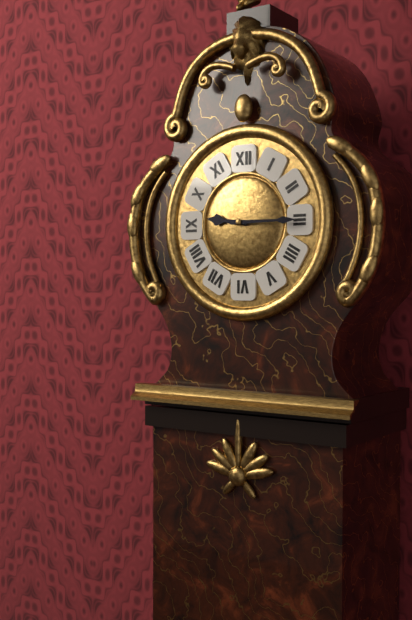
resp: 9h15
